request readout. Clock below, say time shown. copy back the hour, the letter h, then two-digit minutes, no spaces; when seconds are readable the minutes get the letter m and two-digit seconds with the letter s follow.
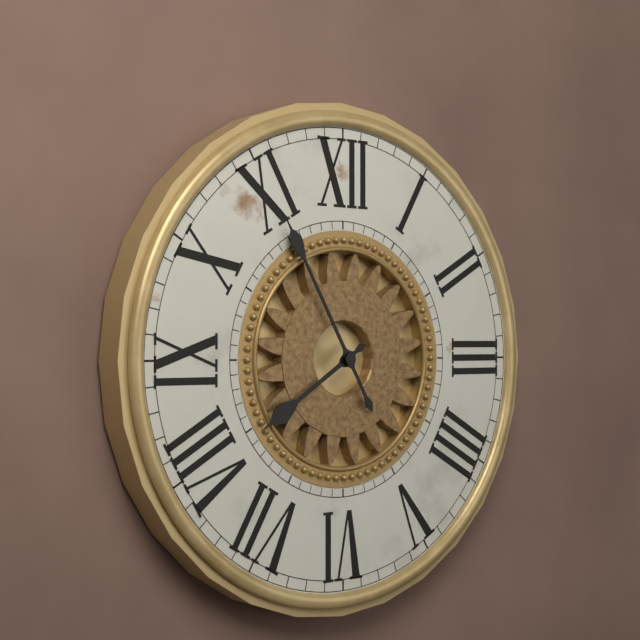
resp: 7h55
